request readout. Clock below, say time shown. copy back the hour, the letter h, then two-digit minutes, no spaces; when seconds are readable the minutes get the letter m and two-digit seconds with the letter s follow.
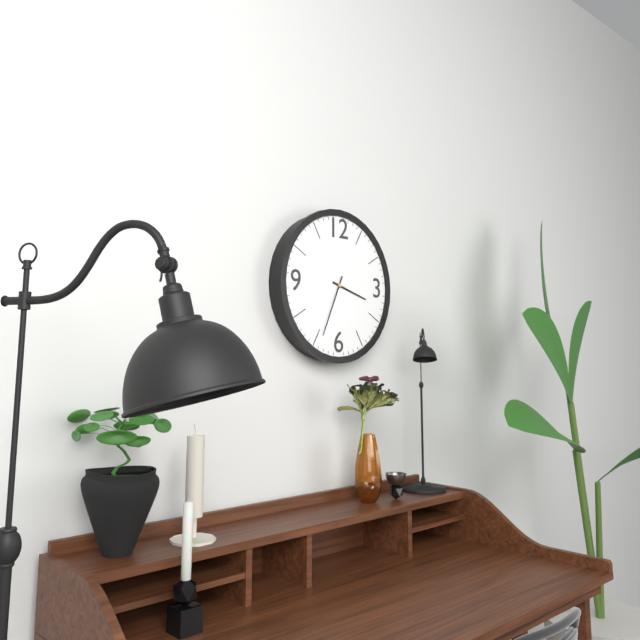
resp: 3h34
